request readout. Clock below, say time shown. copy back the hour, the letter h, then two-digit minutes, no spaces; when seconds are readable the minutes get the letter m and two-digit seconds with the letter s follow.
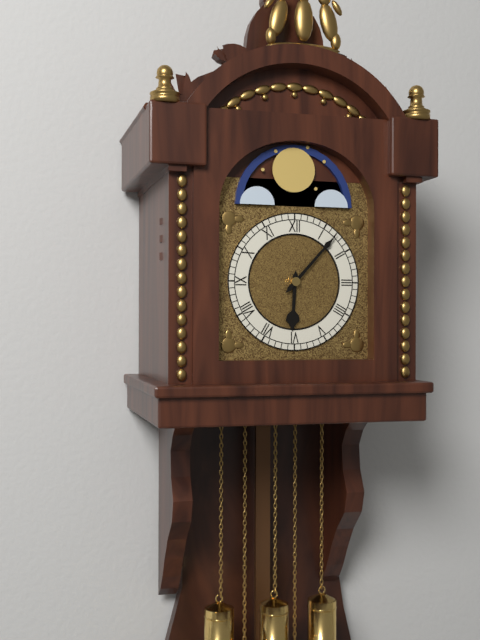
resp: 6h07
